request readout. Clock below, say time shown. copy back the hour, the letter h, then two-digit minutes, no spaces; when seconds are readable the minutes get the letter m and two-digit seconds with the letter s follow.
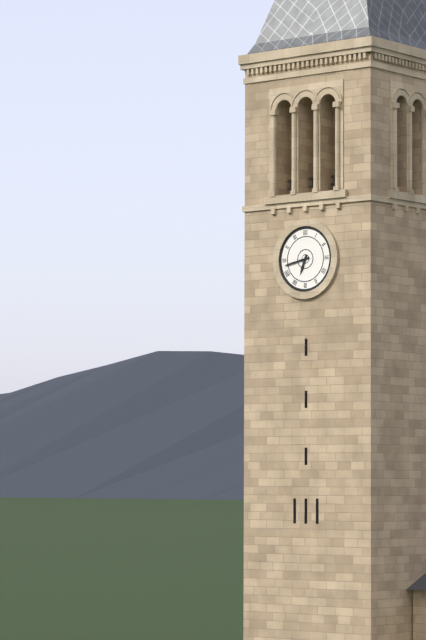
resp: 6h43
